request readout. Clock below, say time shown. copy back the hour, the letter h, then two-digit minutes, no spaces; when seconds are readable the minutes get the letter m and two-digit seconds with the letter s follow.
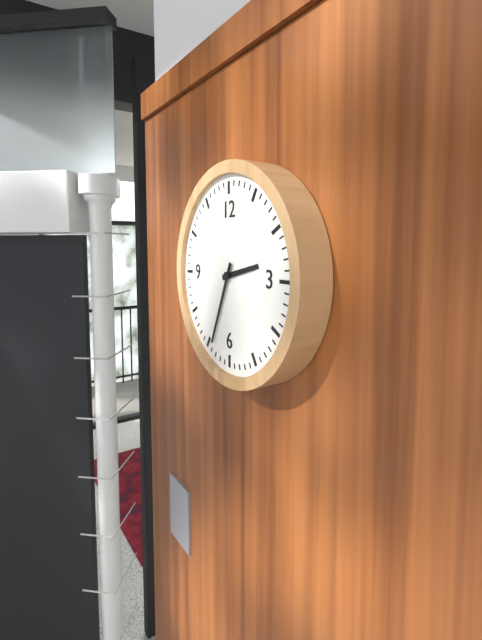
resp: 2h34
